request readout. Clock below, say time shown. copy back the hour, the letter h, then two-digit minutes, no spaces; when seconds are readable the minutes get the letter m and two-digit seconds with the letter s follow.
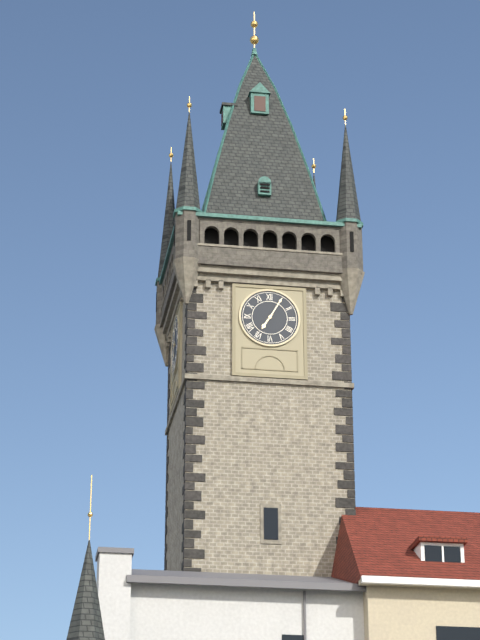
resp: 7h05
